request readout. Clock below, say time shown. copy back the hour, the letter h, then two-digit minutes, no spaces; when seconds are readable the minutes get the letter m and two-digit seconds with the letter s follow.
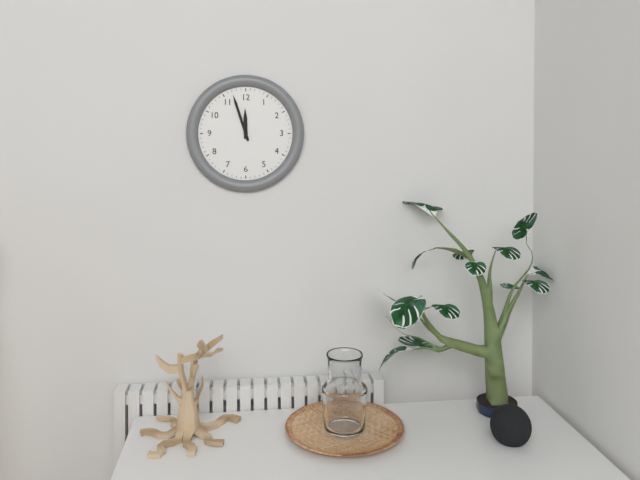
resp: 11h57
